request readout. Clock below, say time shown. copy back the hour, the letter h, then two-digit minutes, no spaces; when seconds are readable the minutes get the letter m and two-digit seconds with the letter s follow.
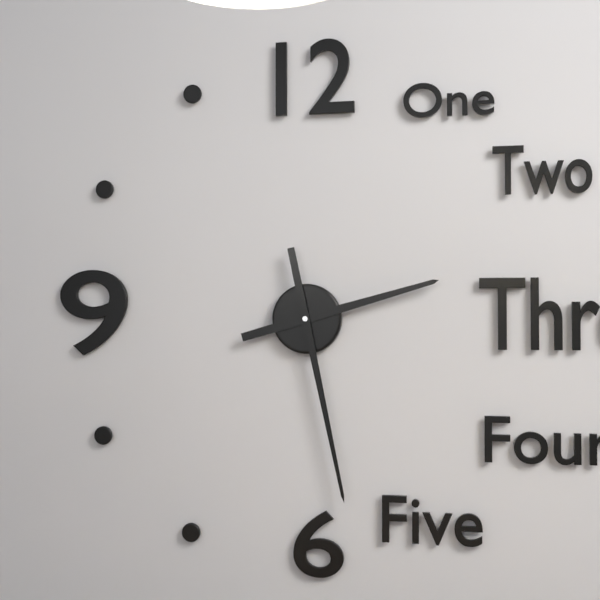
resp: 2h28
